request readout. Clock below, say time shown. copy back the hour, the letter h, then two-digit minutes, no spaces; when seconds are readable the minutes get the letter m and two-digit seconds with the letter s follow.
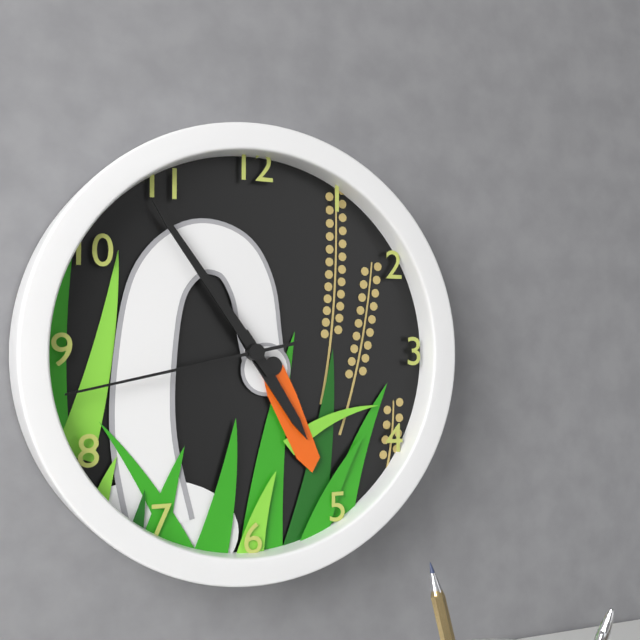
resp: 4h54m43s
